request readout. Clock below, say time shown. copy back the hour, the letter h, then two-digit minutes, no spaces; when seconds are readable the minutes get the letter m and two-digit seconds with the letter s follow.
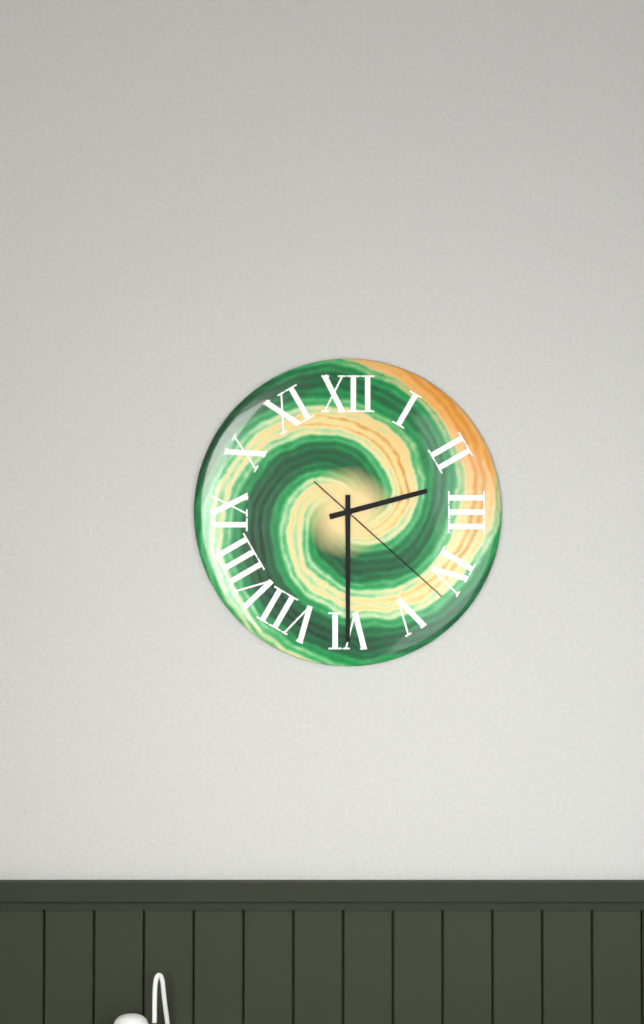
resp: 2h30m22s
